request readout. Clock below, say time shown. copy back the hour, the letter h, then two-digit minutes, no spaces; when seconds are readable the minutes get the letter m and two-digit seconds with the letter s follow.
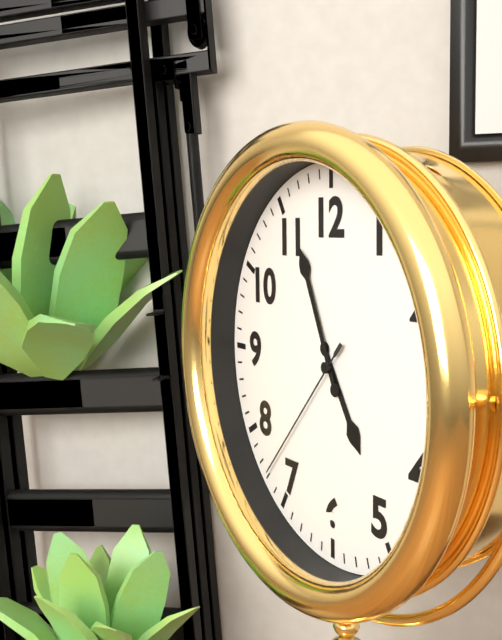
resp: 4h56m37s
